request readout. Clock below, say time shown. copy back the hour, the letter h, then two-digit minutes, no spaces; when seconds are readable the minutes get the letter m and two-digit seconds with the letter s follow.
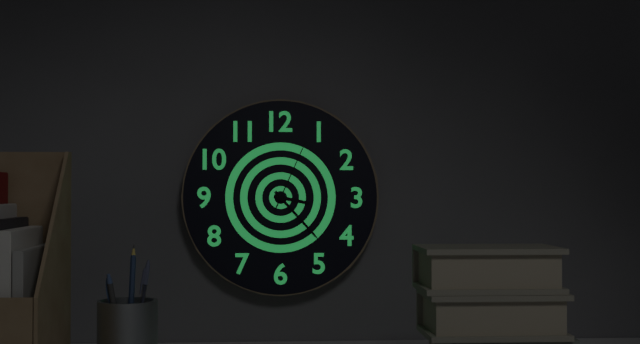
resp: 3h23m04s
